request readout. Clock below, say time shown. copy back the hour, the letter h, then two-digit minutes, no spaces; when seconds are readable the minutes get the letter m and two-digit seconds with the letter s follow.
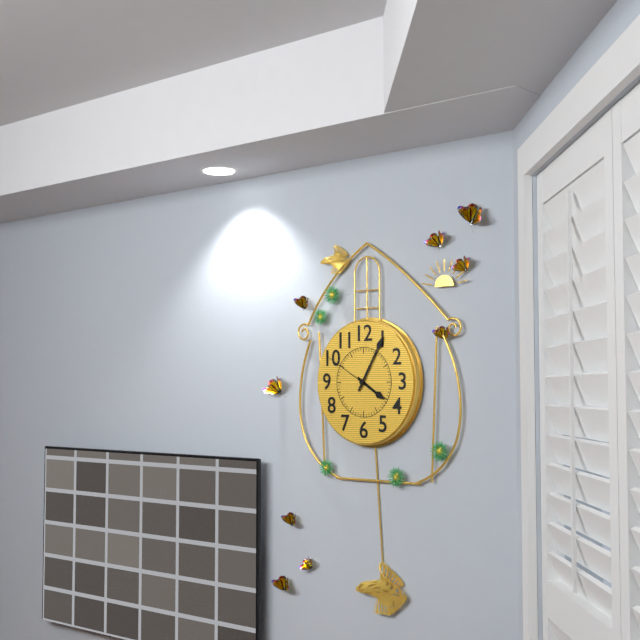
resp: 4h05m50s
